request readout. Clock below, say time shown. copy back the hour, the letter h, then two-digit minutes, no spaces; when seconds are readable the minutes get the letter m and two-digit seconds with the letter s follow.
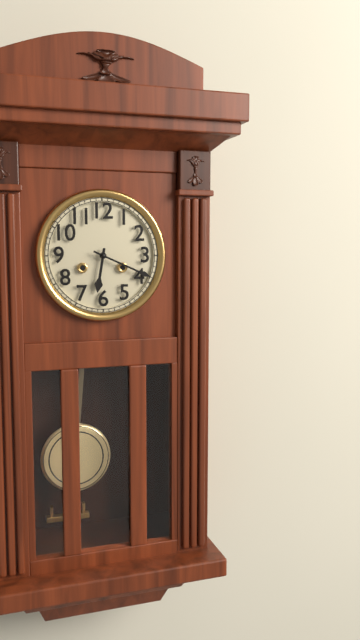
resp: 6h19
